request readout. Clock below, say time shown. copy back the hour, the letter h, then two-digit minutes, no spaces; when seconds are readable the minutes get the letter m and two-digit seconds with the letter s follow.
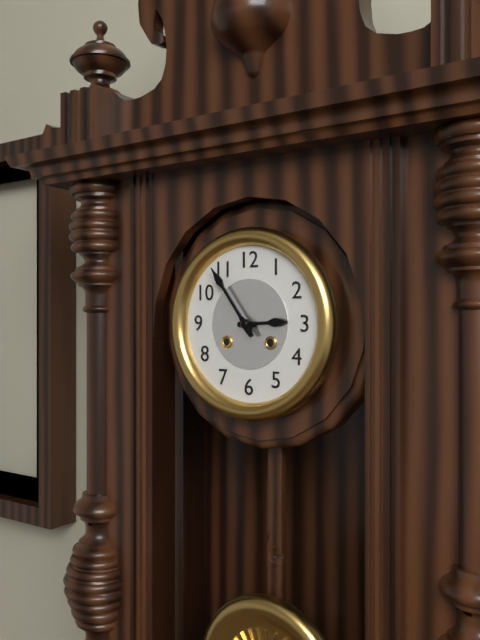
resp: 2h54
